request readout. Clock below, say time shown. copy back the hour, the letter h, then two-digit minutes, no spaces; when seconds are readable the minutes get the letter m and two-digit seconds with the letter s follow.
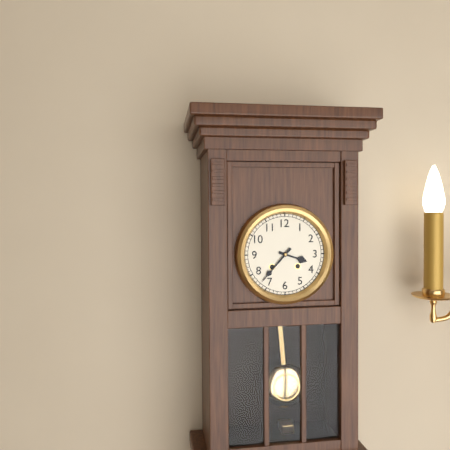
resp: 3h37
